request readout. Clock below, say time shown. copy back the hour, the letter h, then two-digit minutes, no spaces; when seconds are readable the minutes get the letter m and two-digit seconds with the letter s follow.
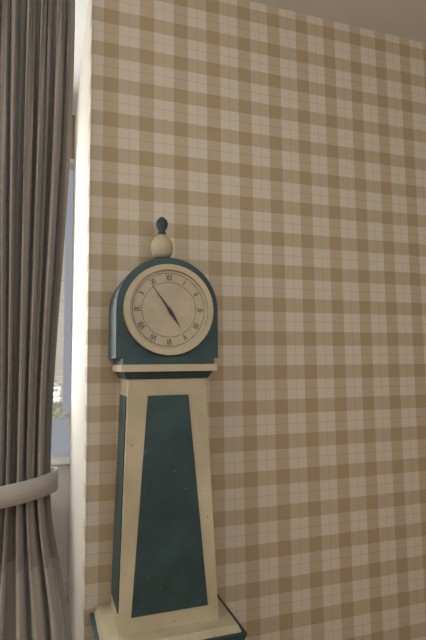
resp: 4h54
